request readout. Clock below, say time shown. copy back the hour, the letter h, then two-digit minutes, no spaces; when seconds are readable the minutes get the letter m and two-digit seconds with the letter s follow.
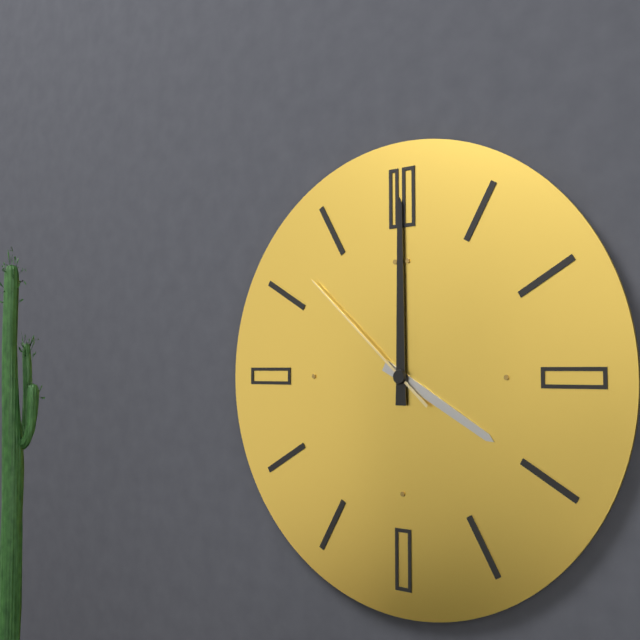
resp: 4h00m52s
